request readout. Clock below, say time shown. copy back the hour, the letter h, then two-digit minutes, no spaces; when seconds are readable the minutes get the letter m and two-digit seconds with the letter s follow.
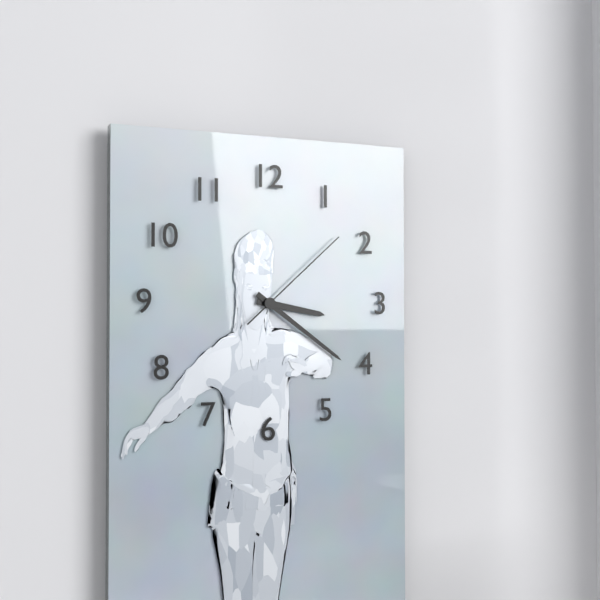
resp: 3h21m08s
